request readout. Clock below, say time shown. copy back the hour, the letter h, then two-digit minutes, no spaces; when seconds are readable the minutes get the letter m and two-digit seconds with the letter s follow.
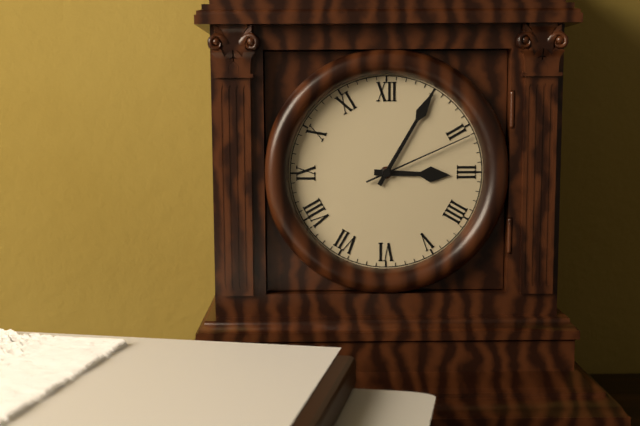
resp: 3h05m11s
